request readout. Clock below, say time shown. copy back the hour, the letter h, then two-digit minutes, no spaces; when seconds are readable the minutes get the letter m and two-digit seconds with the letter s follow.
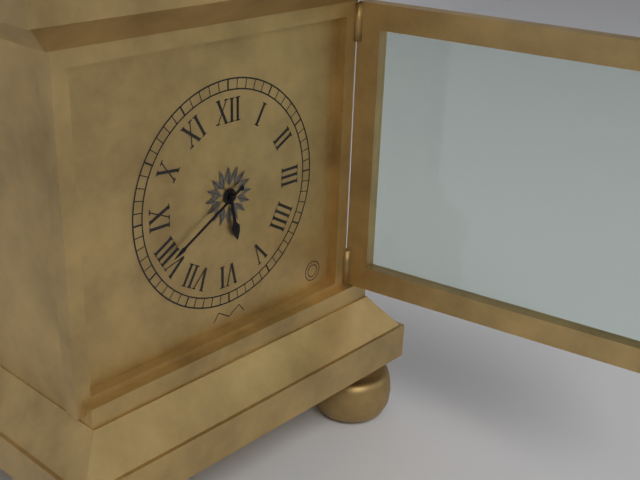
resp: 5h40
